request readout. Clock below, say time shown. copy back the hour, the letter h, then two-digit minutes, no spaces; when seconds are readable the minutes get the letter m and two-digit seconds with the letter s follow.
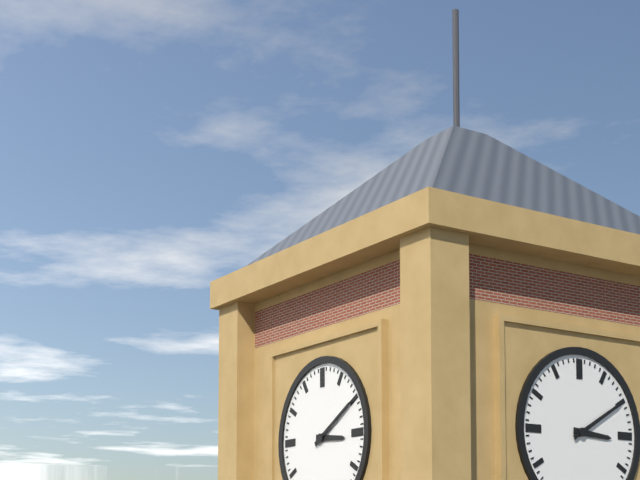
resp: 3h10
